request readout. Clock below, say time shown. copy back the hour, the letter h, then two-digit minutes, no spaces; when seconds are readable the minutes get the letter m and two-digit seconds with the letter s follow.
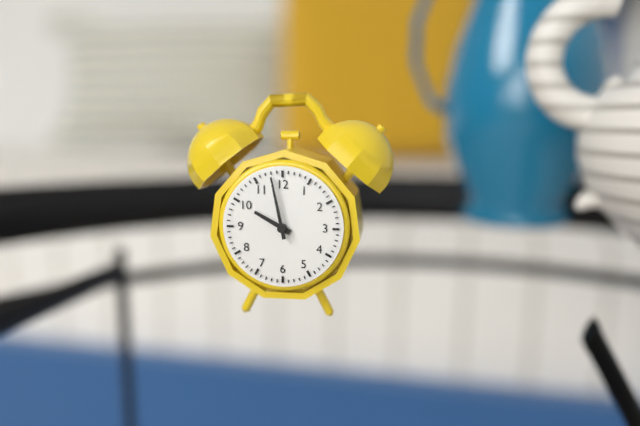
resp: 9h58
